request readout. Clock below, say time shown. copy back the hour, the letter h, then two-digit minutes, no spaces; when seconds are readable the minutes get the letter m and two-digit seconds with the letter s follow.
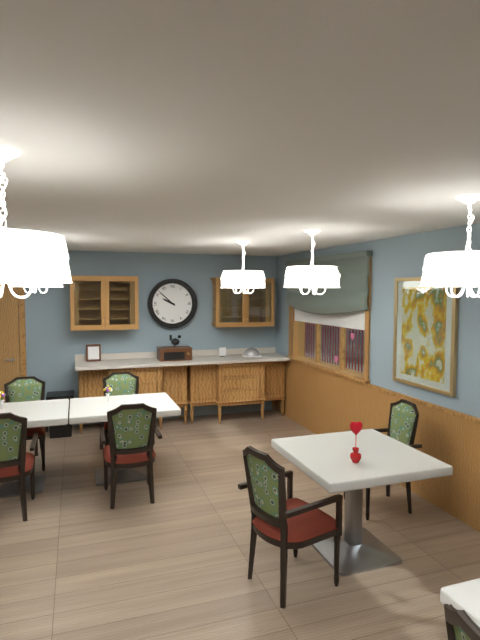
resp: 9h52
